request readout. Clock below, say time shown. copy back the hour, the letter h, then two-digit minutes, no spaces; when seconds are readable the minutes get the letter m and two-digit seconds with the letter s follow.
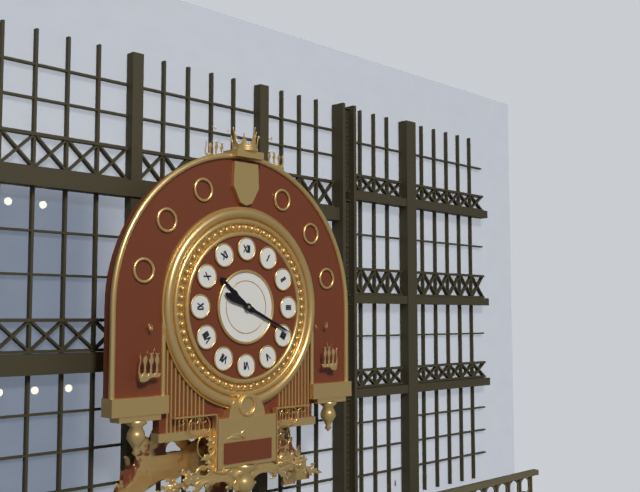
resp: 10h19
